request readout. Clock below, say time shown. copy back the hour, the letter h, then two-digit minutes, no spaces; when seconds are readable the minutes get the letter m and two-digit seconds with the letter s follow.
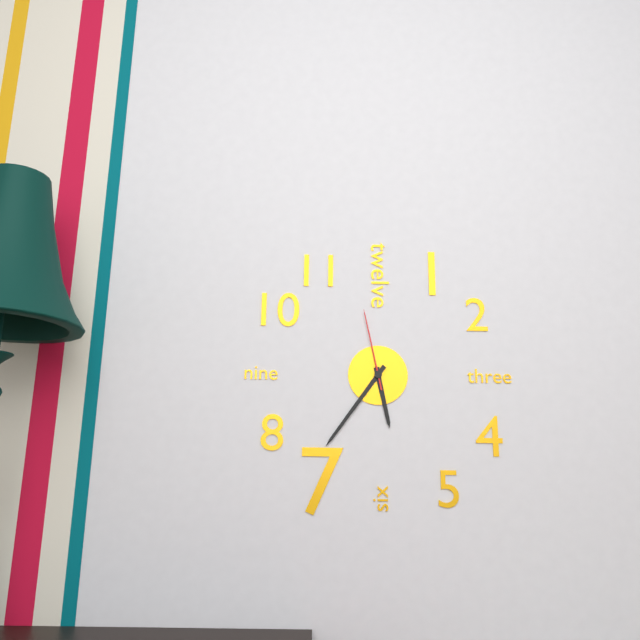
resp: 5h36m58s
